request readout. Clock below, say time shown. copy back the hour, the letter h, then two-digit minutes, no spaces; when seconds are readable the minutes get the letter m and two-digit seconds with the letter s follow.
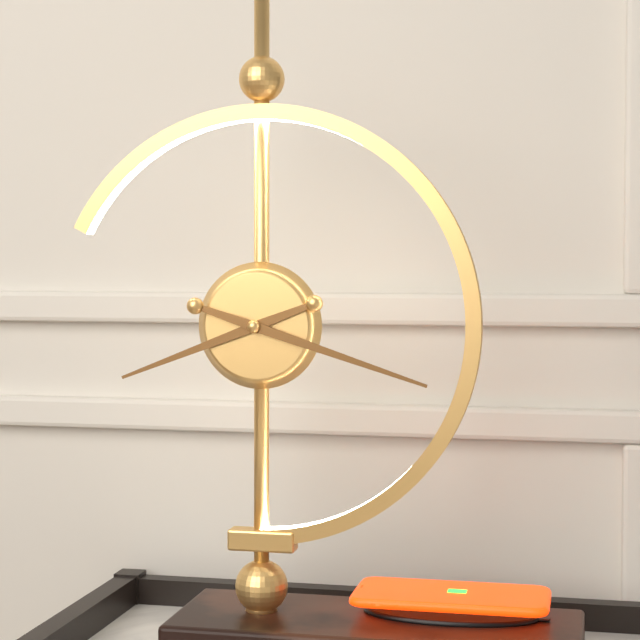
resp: 8h18
